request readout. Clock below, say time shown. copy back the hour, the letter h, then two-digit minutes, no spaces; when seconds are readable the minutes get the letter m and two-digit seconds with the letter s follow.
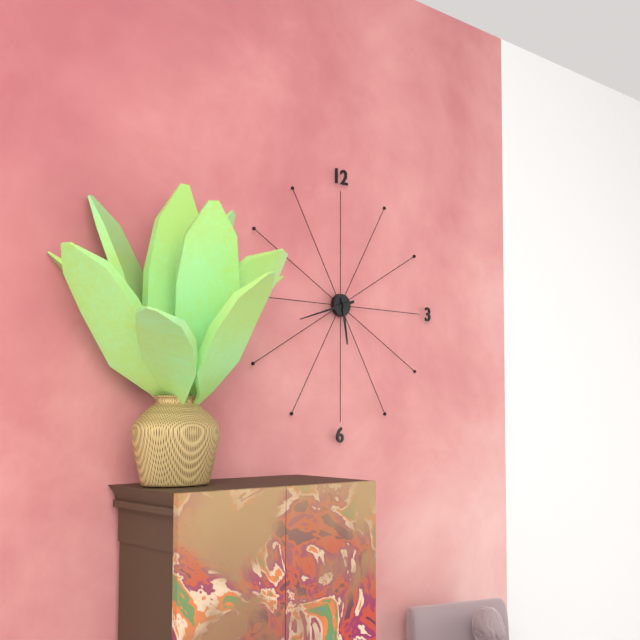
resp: 5h42
